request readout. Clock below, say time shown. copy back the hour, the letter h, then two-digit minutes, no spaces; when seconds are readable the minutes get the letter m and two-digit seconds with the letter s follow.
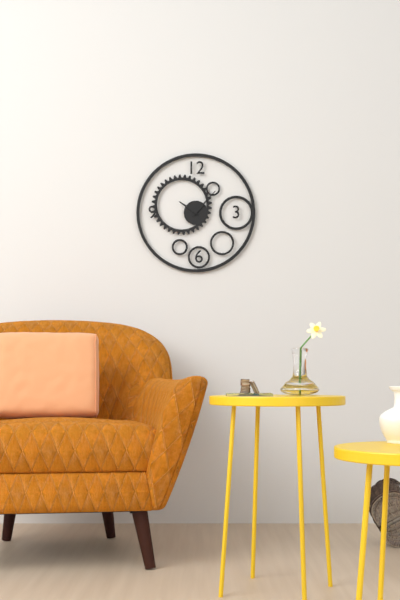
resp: 10h07
